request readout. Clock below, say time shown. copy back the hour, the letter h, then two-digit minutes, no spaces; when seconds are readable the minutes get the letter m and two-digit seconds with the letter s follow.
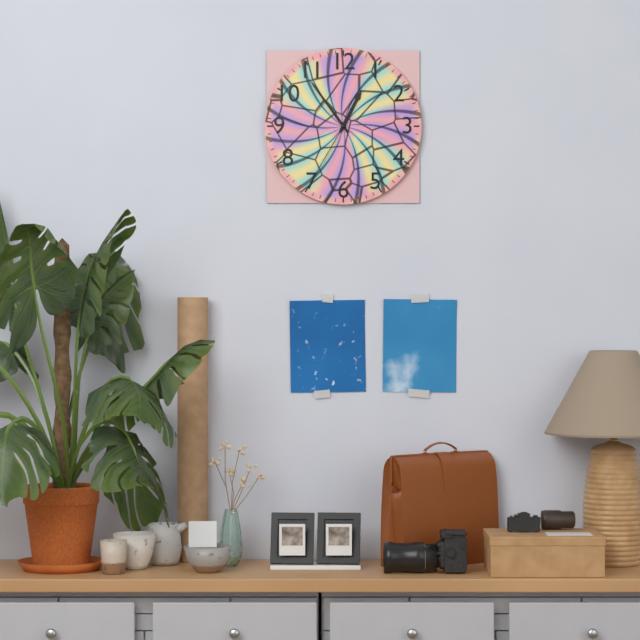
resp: 12h54m35s
